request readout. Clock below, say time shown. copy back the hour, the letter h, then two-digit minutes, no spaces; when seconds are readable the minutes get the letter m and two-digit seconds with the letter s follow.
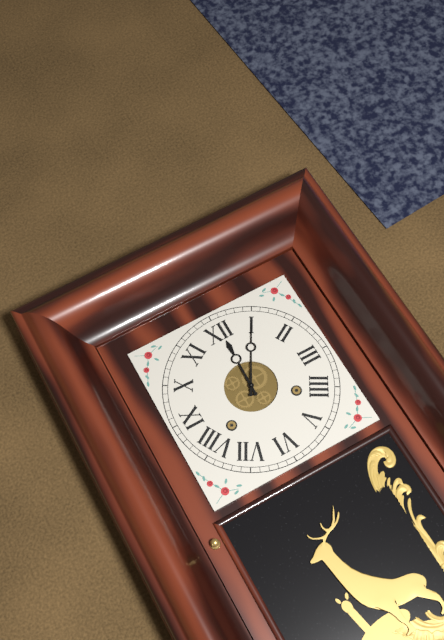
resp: 12h05
